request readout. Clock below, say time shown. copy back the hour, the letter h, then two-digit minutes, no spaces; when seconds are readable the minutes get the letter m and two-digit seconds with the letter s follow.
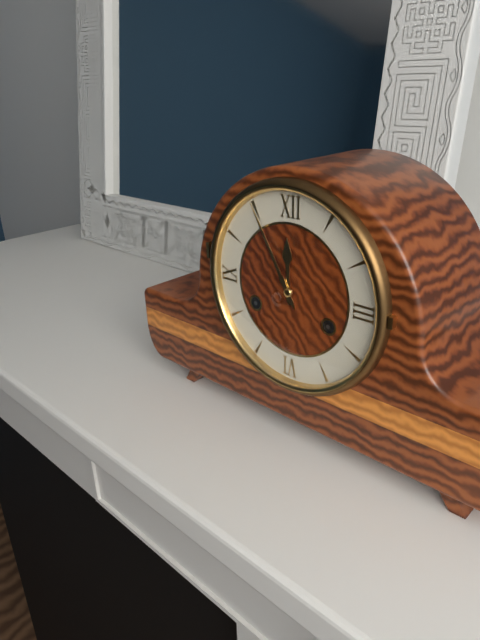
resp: 11h55
